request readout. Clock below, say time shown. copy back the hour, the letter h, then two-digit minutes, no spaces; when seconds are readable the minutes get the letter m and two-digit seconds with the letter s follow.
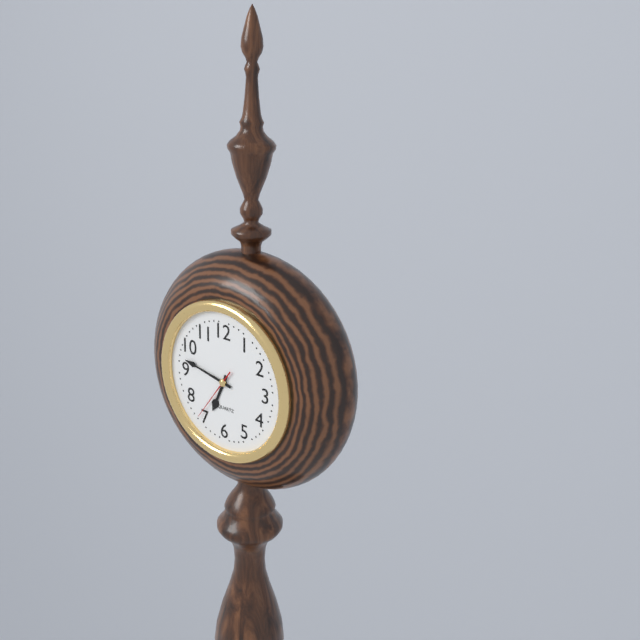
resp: 6h47m36s
